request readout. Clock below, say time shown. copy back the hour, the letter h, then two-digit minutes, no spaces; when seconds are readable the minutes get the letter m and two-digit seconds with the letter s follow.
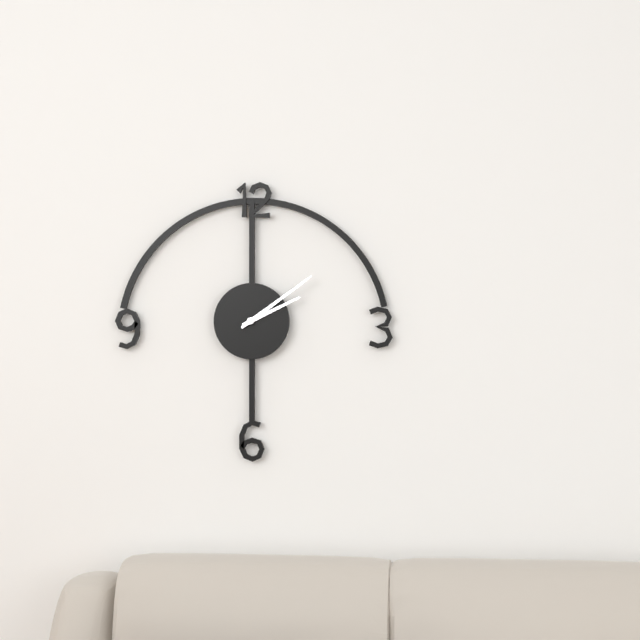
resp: 2h09
